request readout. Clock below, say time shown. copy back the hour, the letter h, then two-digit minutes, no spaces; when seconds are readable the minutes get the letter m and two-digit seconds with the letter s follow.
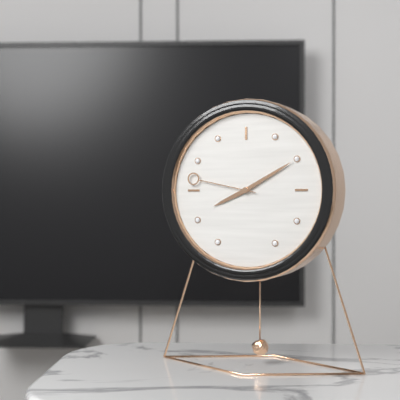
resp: 8h10m47s
